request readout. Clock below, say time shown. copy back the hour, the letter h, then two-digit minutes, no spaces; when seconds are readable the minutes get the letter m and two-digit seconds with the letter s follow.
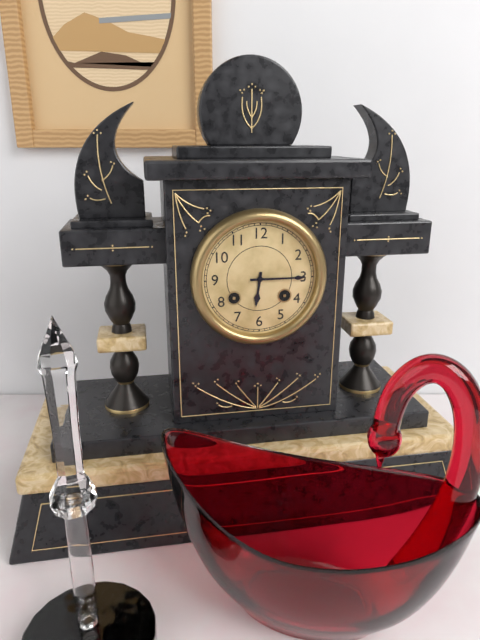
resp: 6h15
